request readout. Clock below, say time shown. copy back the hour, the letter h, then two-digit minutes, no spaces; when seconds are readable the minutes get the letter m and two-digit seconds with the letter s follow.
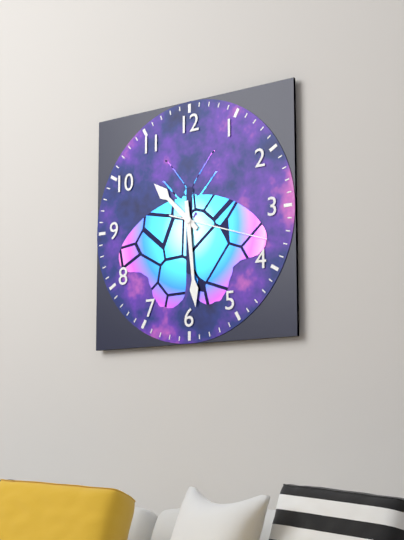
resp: 10h29m18s
